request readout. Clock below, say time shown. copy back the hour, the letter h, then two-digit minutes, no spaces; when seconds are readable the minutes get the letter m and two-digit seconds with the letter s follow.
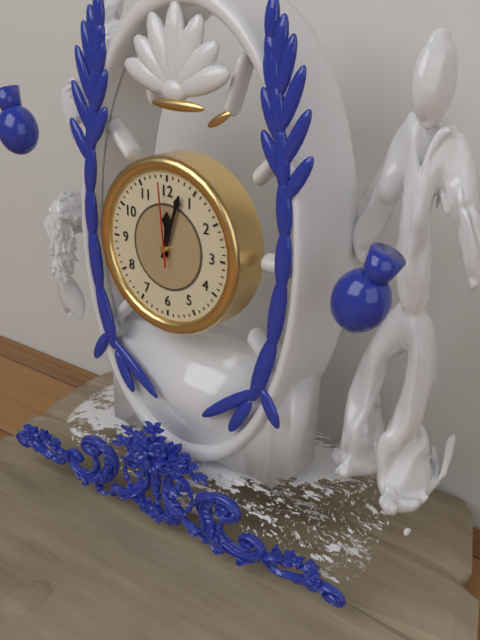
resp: 12h03m59s
